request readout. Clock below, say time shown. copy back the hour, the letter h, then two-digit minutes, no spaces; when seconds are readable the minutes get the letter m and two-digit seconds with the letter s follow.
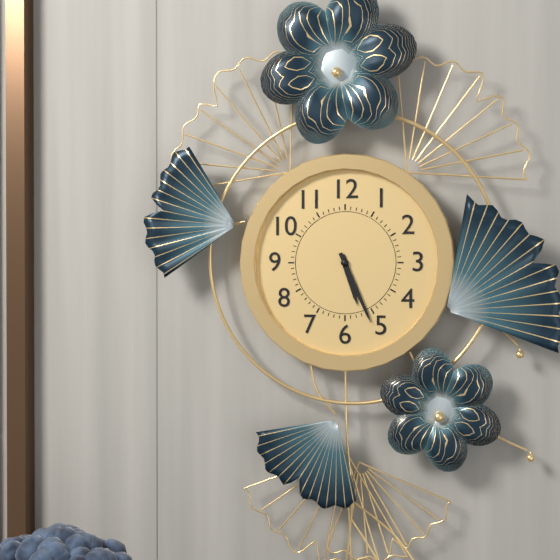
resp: 5h26
